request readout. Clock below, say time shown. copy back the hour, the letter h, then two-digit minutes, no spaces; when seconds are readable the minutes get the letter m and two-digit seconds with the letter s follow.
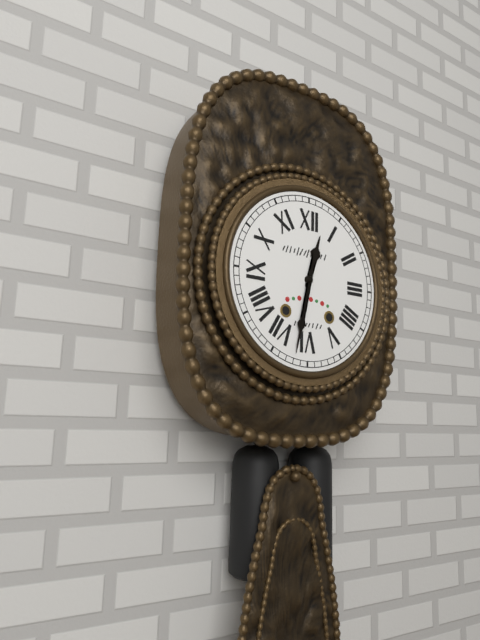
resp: 12h32
